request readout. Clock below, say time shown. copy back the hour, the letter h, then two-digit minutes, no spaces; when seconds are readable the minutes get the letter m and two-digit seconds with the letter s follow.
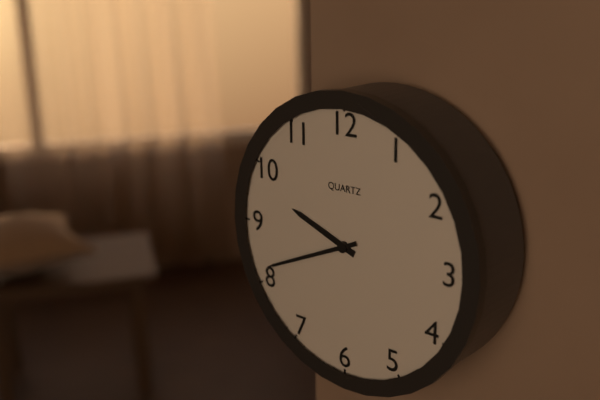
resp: 9h41
